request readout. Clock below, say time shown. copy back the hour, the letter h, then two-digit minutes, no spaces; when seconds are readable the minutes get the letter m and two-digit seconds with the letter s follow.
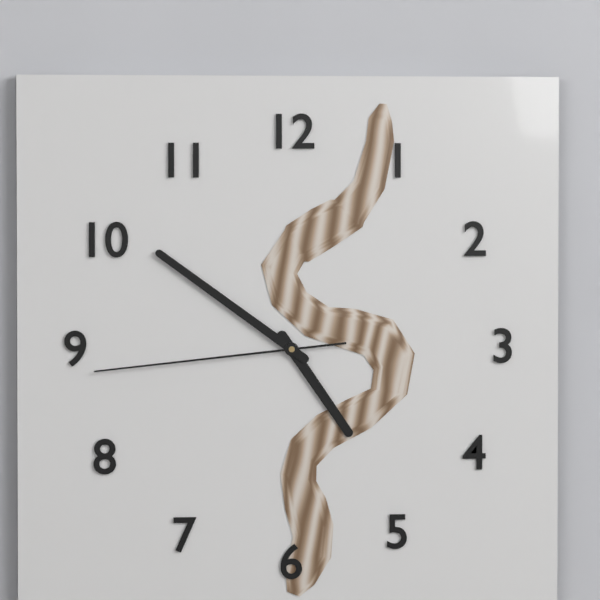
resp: 4h51m44s
